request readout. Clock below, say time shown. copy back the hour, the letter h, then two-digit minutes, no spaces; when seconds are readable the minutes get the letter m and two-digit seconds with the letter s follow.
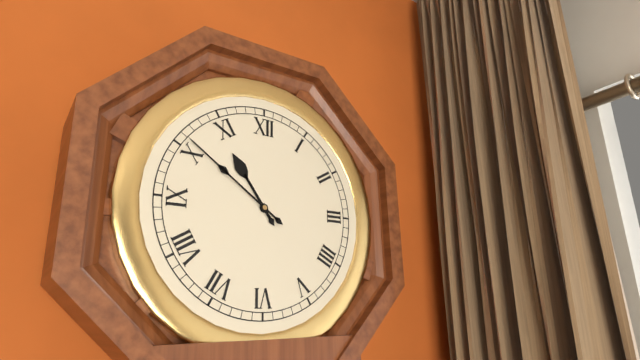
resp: 10h51
